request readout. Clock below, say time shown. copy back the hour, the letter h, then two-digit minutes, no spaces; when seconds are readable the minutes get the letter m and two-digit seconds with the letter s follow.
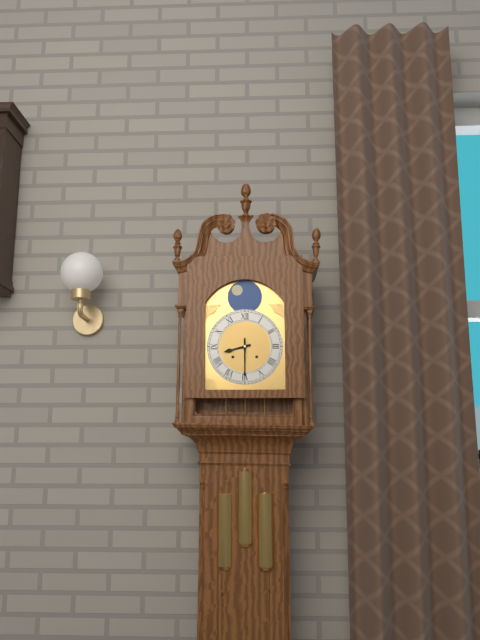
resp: 8h30
